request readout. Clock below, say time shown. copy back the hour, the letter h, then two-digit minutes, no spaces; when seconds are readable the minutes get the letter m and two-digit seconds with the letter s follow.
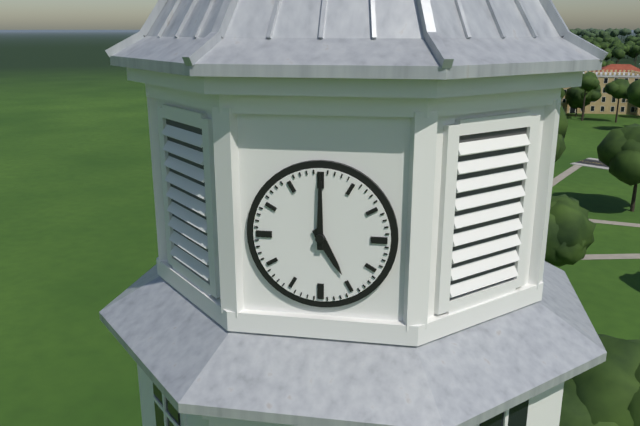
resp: 5h00
